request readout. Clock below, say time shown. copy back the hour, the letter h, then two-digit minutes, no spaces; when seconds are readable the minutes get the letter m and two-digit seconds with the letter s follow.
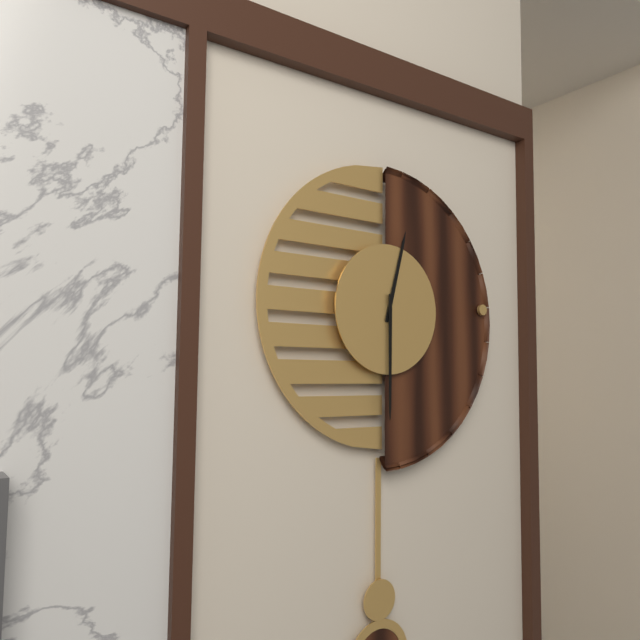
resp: 12h30
